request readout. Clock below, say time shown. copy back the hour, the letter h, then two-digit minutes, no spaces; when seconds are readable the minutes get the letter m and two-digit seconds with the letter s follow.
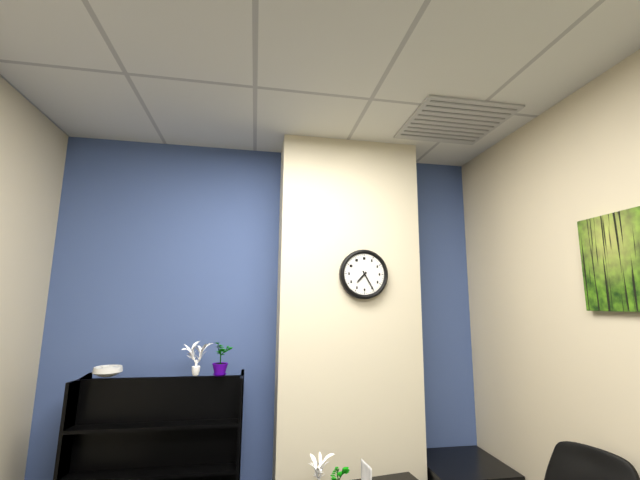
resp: 7h25
